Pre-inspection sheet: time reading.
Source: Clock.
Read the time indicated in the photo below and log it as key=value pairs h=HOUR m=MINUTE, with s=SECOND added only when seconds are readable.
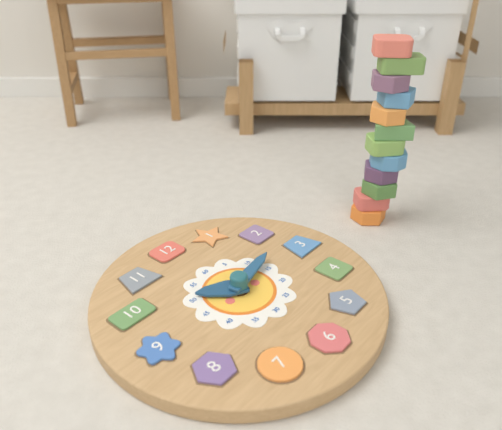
h=10 m=13
